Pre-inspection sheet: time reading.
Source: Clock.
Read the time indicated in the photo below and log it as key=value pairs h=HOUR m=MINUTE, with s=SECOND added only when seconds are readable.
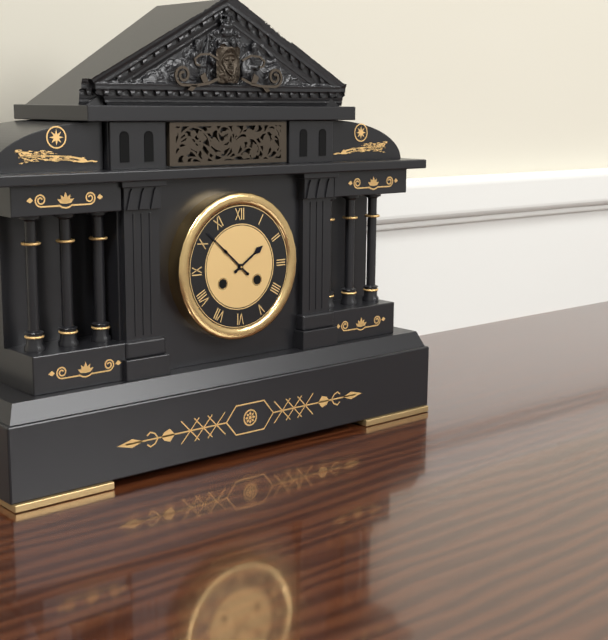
h=1 m=52
